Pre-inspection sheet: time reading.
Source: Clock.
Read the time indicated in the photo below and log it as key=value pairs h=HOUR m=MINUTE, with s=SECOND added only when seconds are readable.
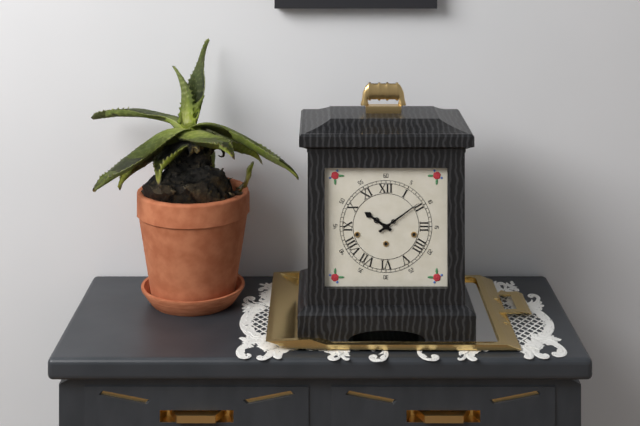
h=10 m=9
